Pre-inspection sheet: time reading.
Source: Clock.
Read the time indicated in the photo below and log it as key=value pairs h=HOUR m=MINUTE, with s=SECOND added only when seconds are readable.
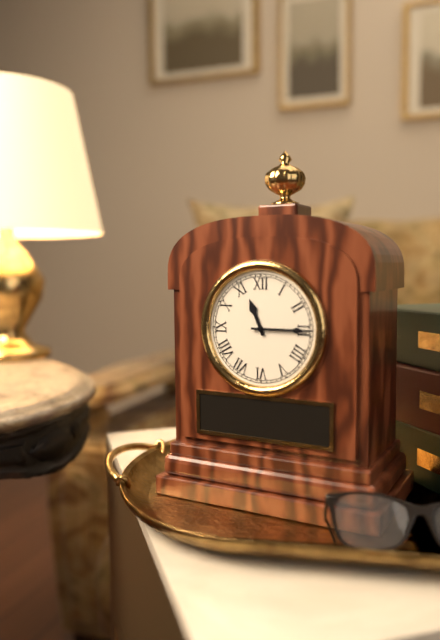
h=11 m=15
